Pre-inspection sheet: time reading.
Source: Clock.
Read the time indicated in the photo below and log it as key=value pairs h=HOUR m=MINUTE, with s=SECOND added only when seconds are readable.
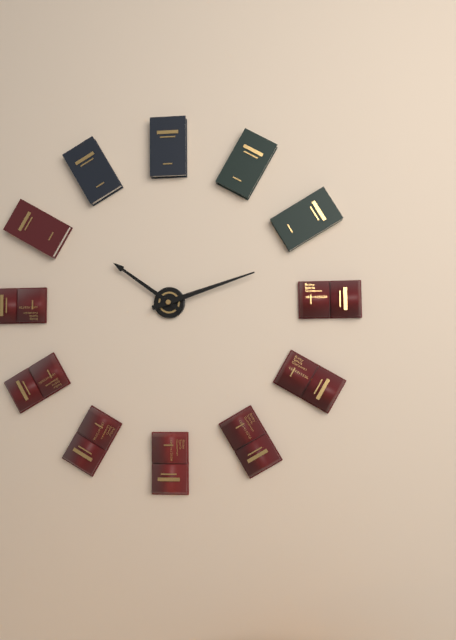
h=10 m=12
